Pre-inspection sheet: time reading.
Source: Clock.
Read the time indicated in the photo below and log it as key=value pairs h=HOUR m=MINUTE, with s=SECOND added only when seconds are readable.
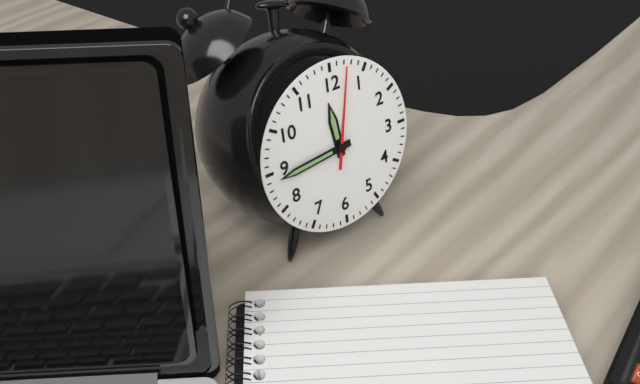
h=11 m=44 s=2
